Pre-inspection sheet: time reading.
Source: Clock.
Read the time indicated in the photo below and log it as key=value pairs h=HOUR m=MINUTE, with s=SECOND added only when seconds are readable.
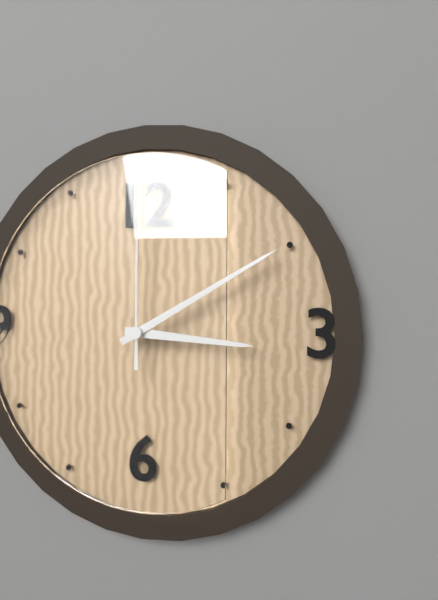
h=3 m=10 s=0
